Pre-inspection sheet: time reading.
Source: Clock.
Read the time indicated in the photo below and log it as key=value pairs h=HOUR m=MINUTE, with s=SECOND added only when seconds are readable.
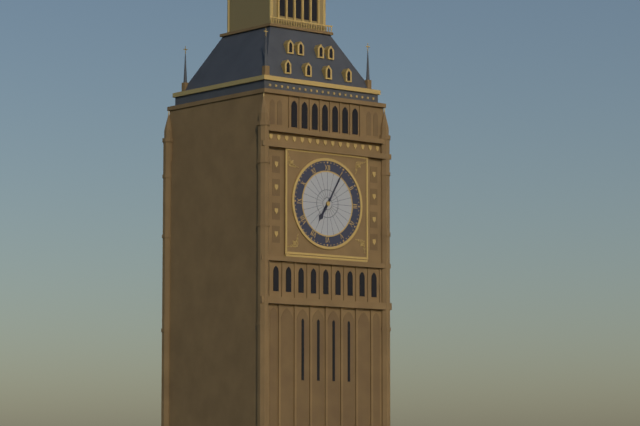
h=7 m=5
